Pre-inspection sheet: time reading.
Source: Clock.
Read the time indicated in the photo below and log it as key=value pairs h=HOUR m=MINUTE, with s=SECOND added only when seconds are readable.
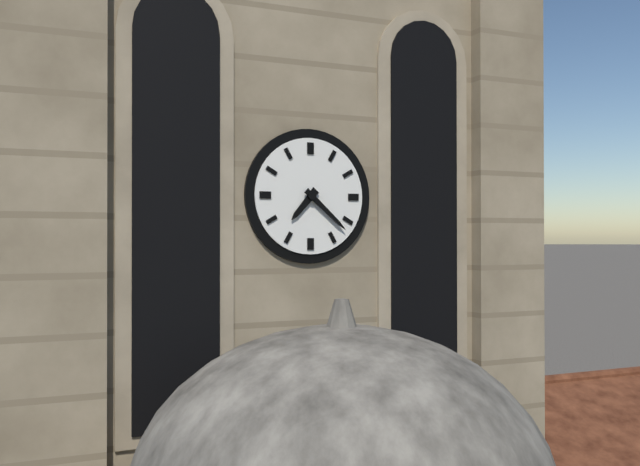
h=7 m=22
